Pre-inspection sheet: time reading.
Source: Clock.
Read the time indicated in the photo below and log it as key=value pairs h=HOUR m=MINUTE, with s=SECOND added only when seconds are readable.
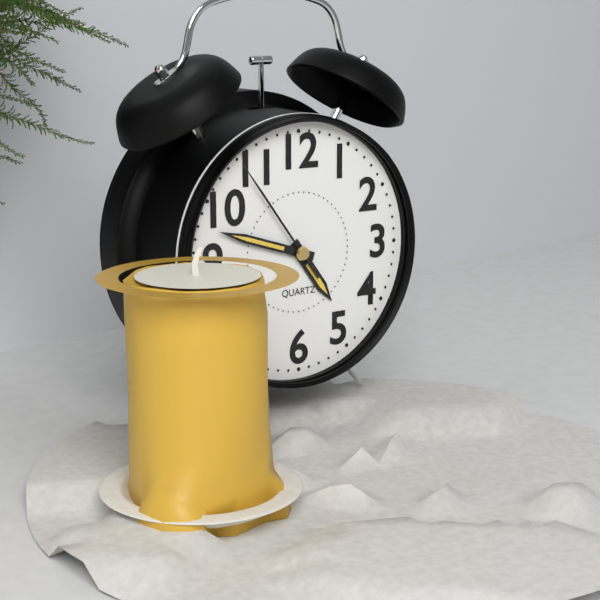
h=4 m=48 s=54
